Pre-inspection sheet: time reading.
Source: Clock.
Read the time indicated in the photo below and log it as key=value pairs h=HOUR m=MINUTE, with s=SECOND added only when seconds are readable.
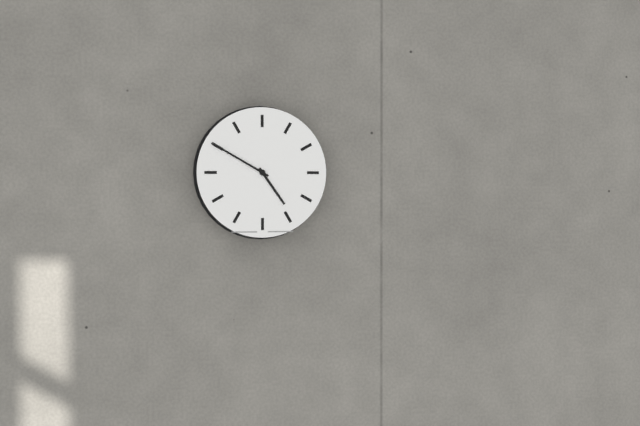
h=4 m=50
